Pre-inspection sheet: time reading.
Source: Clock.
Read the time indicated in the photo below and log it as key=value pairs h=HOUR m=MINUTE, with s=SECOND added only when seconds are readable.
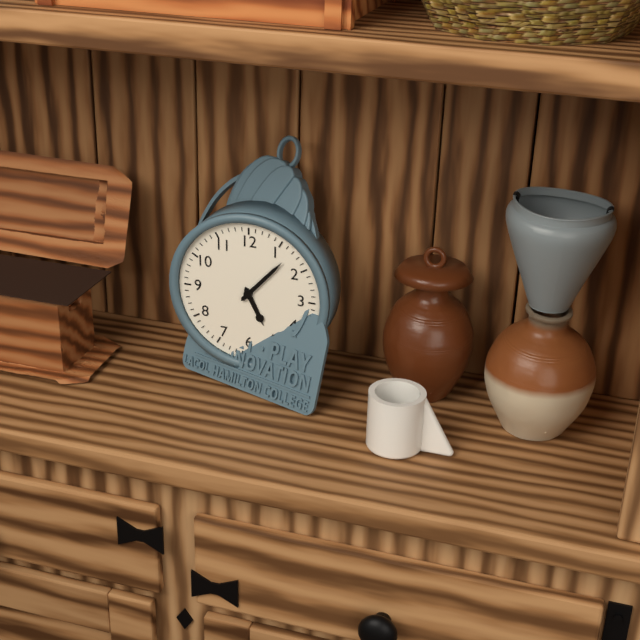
h=5 m=7
